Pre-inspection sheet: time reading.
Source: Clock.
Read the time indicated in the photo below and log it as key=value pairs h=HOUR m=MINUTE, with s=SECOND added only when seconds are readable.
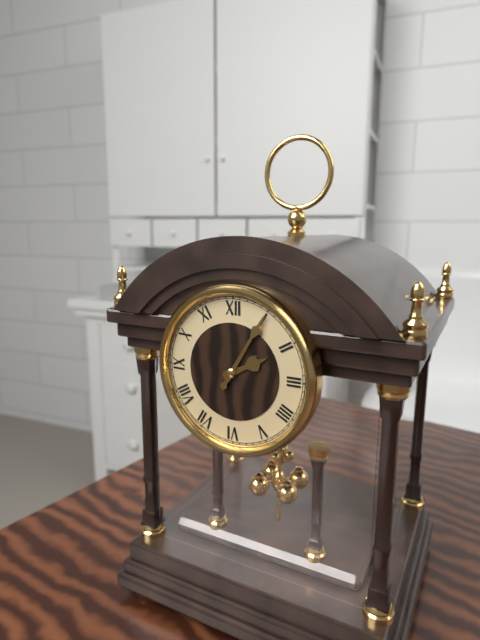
h=2 m=5
